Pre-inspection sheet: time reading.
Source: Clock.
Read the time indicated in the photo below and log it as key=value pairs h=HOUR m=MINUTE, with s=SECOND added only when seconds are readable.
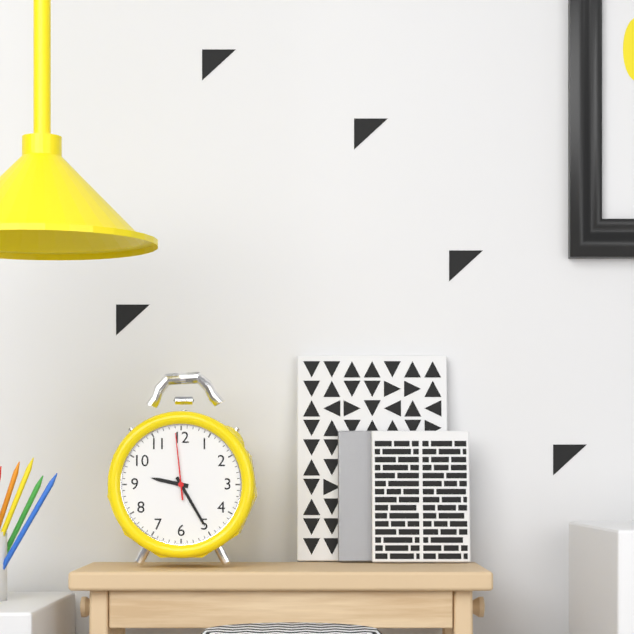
h=9 m=25 s=59
